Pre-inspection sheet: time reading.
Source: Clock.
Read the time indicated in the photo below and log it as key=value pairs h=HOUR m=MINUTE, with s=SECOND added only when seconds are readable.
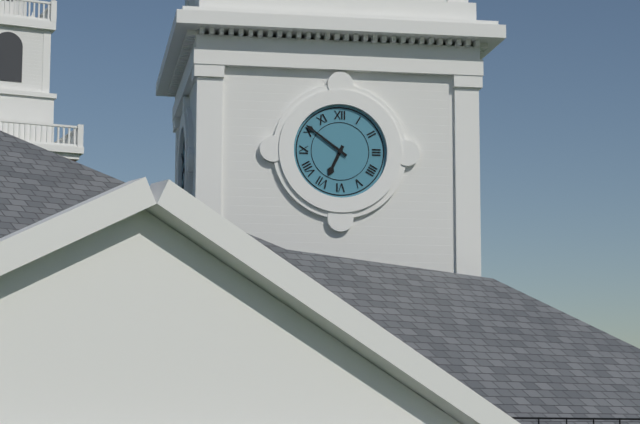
h=6 m=51
